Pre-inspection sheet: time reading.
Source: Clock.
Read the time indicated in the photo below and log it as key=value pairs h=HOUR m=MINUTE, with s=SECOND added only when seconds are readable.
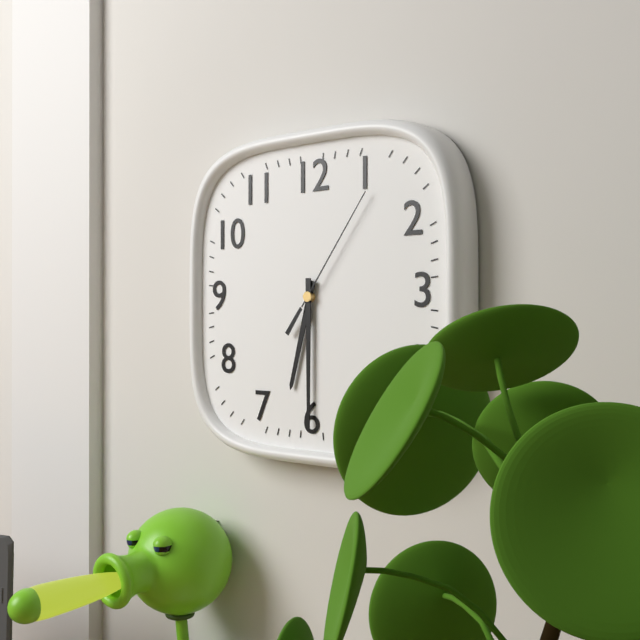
h=6 m=30 s=6
